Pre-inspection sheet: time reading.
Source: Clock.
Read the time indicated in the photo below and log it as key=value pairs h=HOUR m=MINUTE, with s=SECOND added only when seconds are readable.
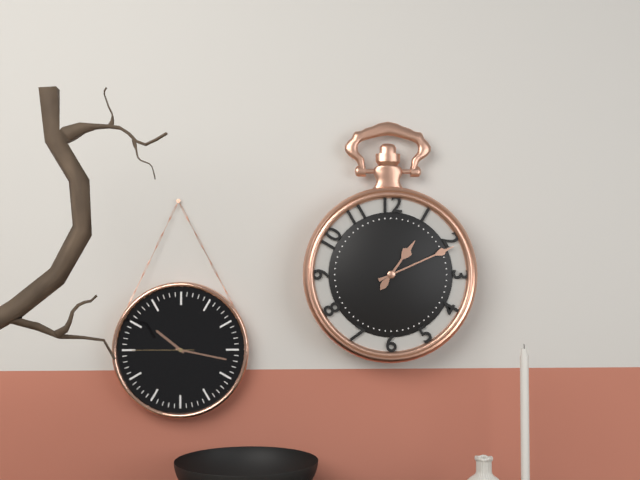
h=1 m=11
